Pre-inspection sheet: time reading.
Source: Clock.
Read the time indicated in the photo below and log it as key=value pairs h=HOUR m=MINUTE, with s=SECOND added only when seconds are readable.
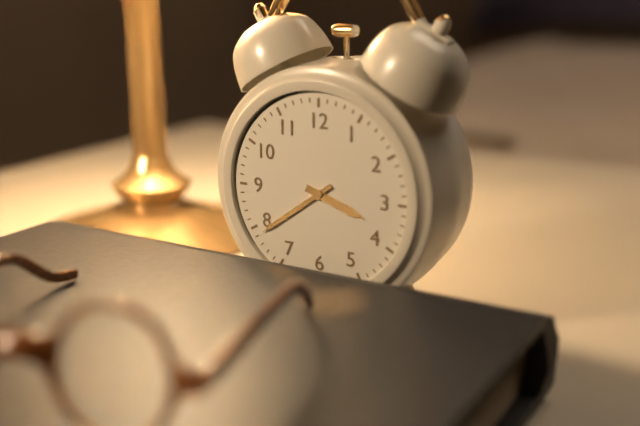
h=3 m=39
